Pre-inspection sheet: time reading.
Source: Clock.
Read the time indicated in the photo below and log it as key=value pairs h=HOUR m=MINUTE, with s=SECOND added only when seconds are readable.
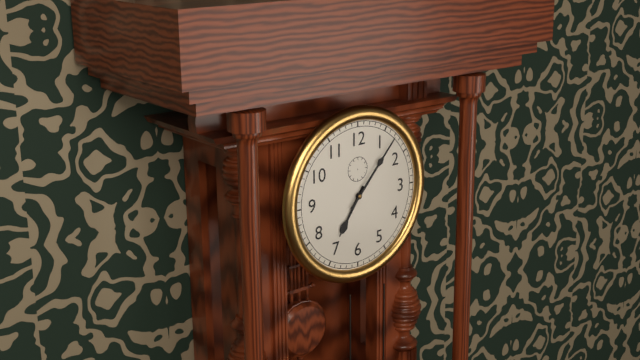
h=7 m=7
